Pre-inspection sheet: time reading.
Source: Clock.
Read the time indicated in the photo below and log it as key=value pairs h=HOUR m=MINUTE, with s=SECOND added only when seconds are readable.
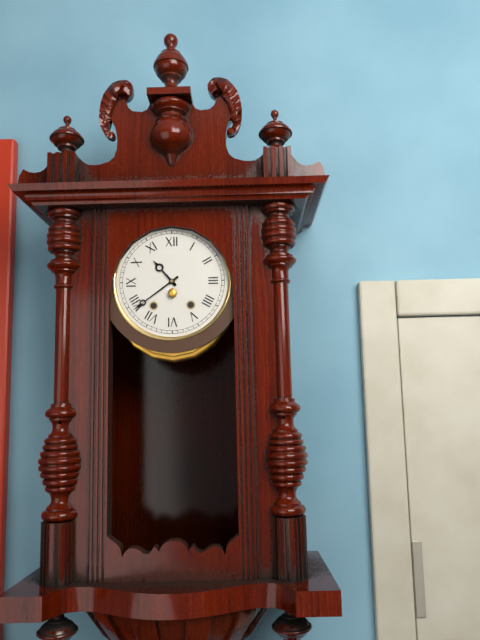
h=10 m=39
